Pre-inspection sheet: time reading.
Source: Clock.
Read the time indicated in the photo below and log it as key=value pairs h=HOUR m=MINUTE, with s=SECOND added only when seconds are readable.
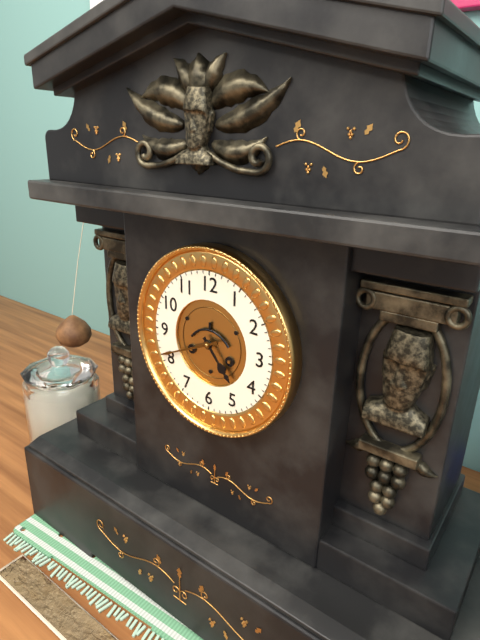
h=4 m=41
